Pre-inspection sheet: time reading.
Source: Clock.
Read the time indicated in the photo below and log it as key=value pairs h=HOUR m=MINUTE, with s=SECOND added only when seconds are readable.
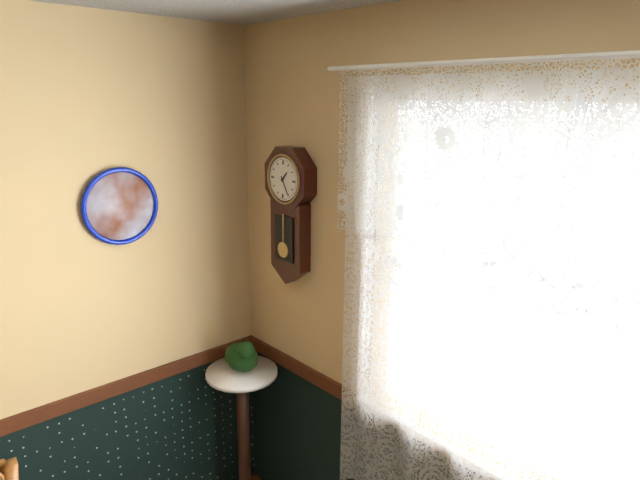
h=1 m=25
